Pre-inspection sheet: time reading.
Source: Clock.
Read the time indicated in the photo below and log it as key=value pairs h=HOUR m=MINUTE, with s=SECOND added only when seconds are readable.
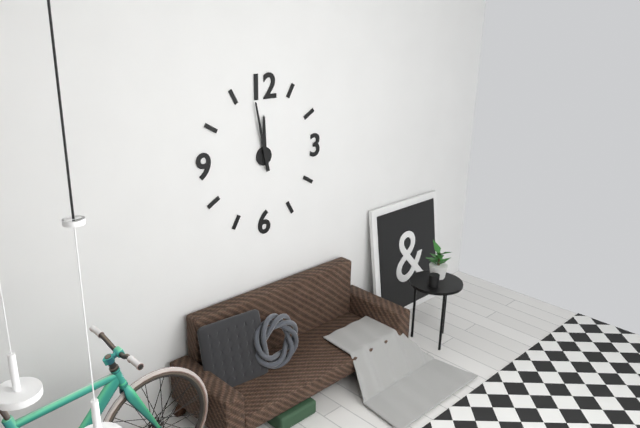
h=11 m=58
